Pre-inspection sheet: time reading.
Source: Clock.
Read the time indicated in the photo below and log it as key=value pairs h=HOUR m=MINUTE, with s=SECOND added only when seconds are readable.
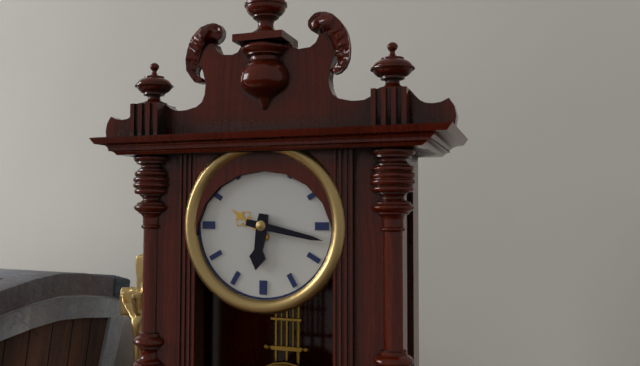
h=6 m=17
